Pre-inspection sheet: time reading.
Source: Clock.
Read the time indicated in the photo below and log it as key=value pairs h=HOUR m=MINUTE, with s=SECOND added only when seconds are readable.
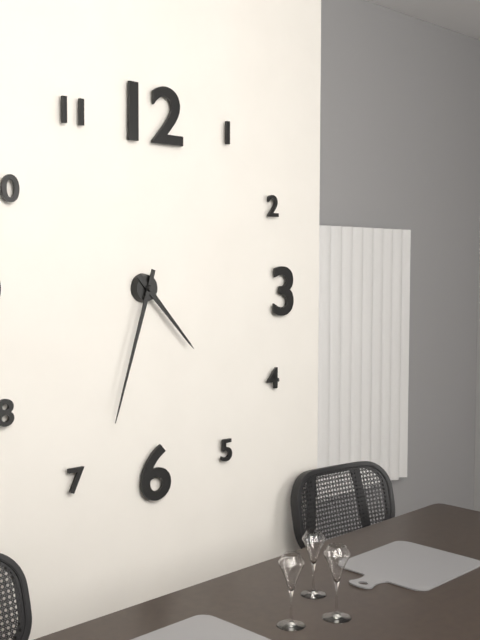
h=4 m=33
